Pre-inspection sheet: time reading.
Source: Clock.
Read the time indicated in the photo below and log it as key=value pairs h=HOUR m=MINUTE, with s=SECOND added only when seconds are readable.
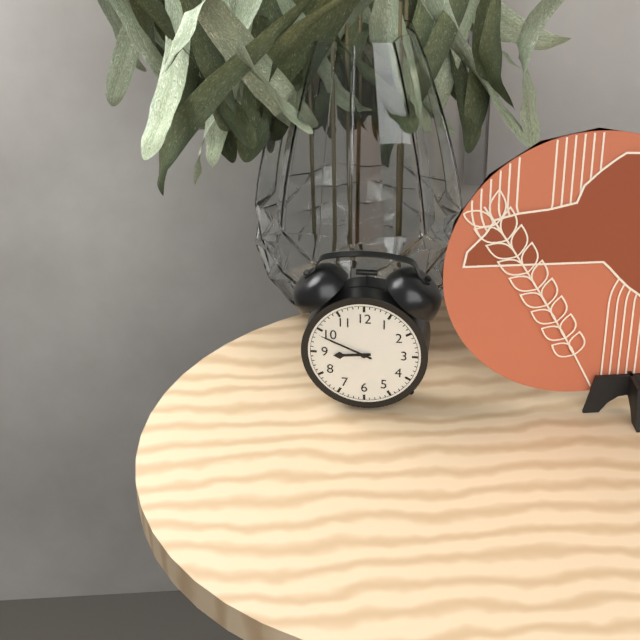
h=8 m=49
